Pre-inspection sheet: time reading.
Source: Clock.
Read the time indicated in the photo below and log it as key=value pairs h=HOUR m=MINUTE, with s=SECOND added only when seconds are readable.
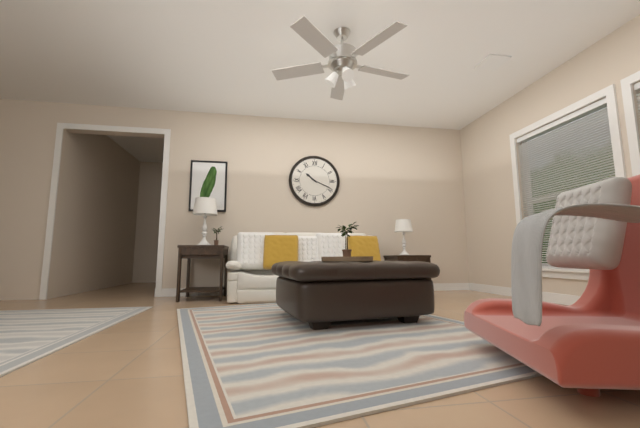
h=10 m=19
